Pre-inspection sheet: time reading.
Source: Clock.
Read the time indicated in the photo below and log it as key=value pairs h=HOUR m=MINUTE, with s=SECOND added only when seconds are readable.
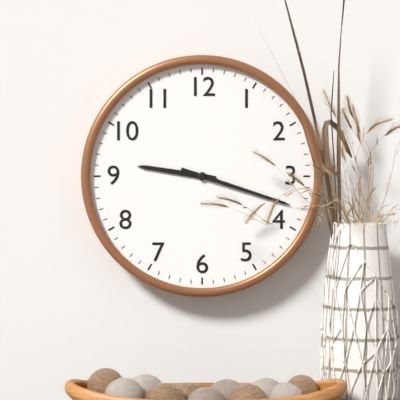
h=9 m=18
